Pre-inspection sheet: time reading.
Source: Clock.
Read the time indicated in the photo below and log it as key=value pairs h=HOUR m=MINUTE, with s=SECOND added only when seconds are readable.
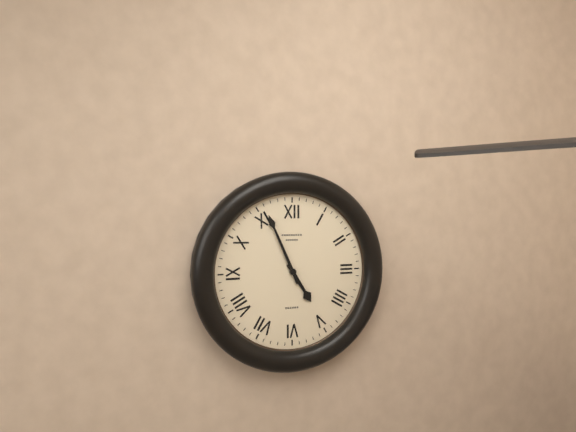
h=4 m=56
